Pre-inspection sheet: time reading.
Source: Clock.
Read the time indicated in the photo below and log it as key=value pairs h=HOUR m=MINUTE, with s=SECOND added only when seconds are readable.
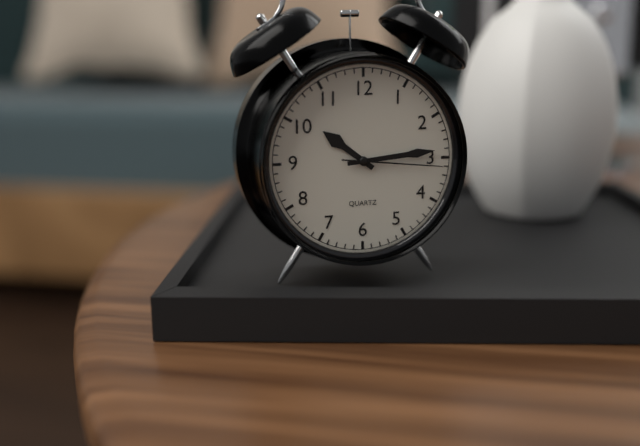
h=10 m=14 s=16
